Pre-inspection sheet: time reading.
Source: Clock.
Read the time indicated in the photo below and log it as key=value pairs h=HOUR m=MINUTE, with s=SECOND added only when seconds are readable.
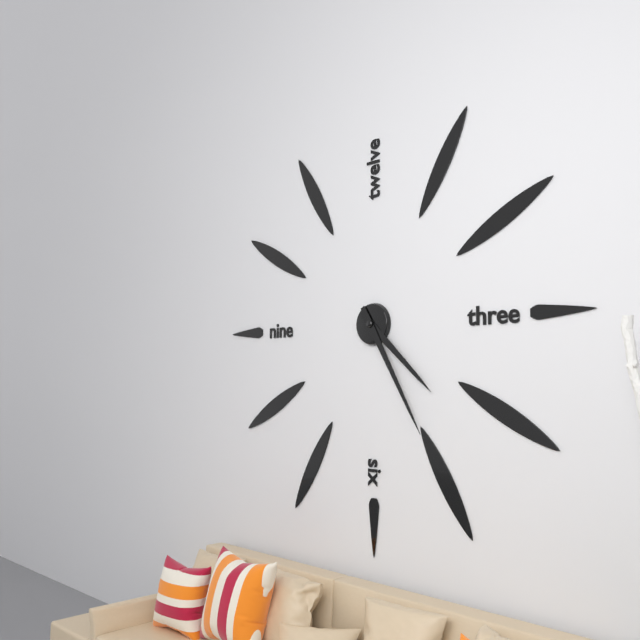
h=4 m=25
